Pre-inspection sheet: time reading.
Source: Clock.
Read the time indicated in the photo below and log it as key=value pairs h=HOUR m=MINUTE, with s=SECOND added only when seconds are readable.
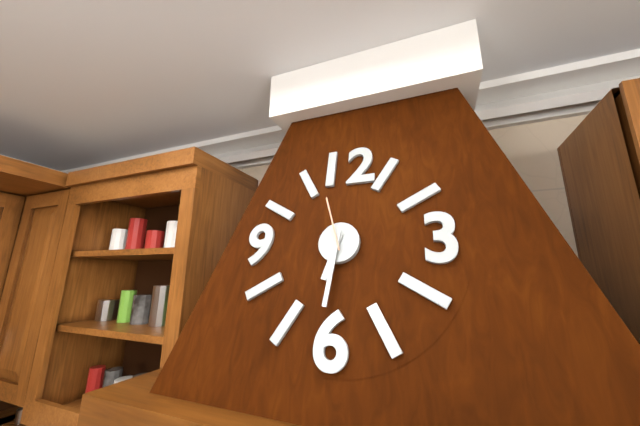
h=6 m=31 s=57
